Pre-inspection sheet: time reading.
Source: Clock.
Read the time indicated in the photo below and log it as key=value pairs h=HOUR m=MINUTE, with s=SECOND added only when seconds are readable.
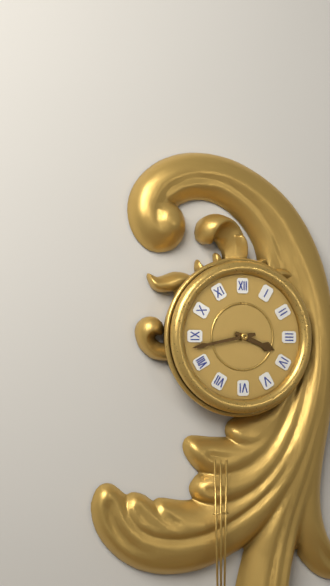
h=3 m=43
